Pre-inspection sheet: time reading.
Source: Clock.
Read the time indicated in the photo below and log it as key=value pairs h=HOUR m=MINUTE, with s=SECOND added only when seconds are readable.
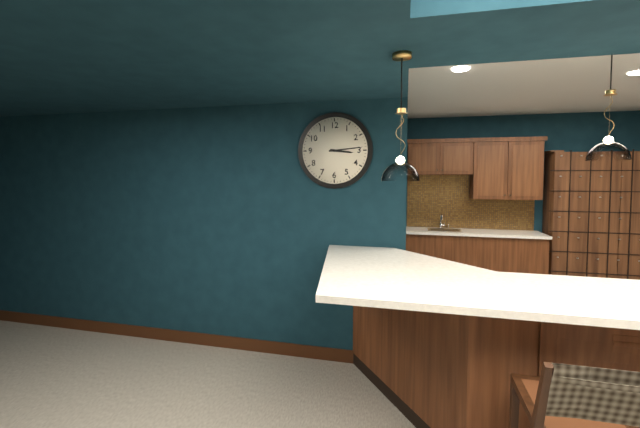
h=3 m=14
